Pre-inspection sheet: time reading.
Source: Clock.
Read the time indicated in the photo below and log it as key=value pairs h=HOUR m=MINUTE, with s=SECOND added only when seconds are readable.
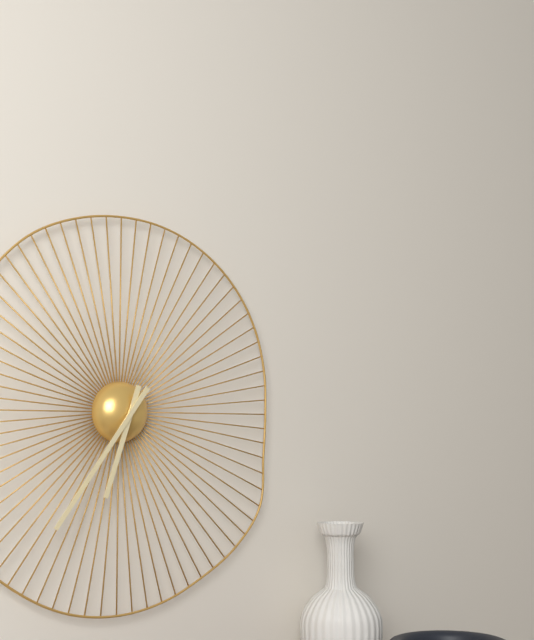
h=6 m=36
